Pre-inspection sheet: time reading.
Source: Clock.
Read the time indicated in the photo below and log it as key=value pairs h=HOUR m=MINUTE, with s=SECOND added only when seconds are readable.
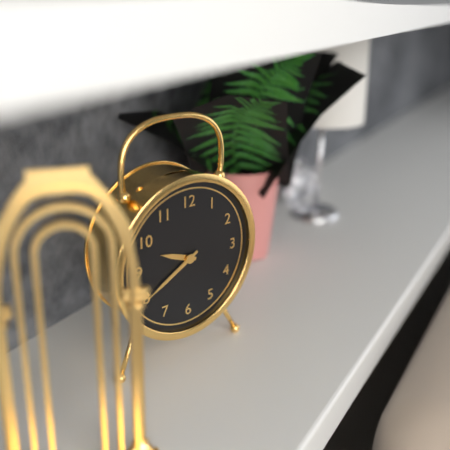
h=9 m=40
